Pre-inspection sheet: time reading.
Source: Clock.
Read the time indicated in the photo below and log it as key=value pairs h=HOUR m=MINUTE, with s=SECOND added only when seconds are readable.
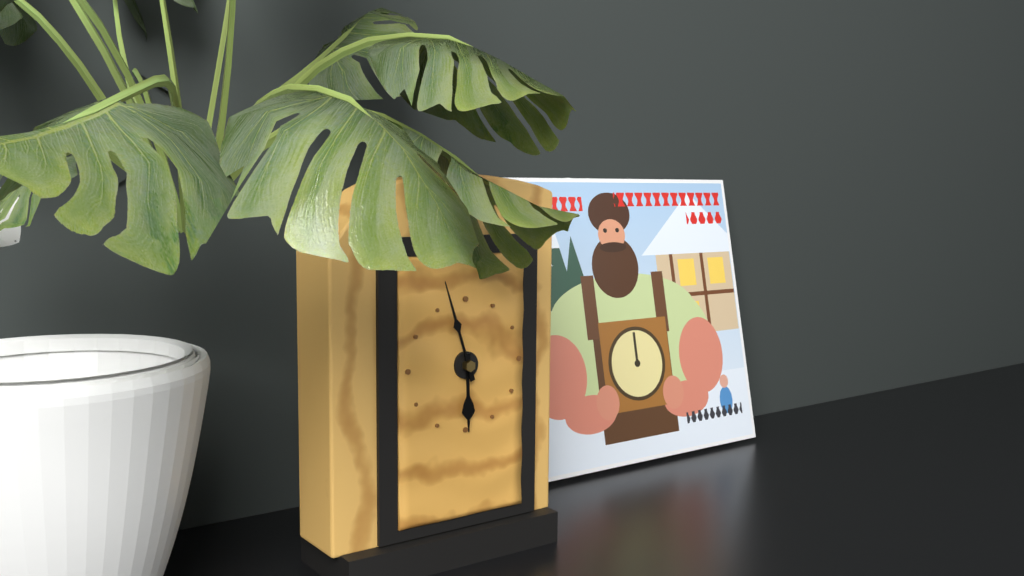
h=5 m=57
